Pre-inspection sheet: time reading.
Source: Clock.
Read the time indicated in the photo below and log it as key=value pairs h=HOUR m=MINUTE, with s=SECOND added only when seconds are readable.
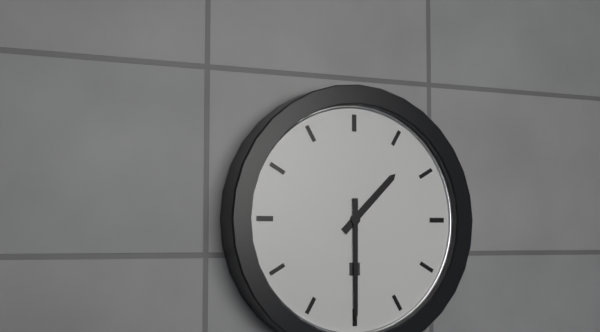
h=1 m=30
